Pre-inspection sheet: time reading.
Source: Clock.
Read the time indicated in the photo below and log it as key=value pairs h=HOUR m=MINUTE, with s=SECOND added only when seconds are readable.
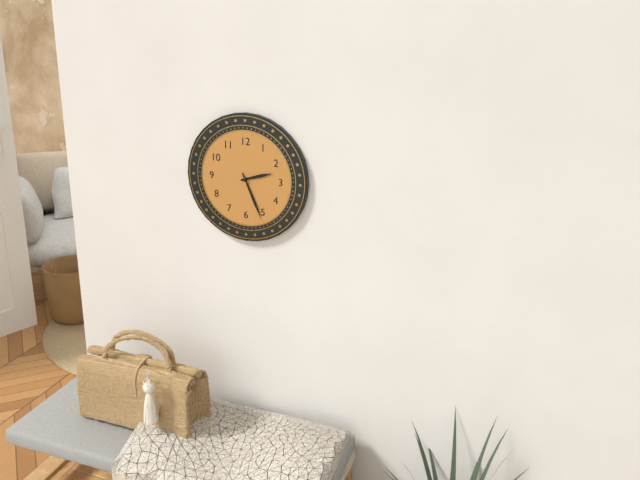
h=2 m=26
